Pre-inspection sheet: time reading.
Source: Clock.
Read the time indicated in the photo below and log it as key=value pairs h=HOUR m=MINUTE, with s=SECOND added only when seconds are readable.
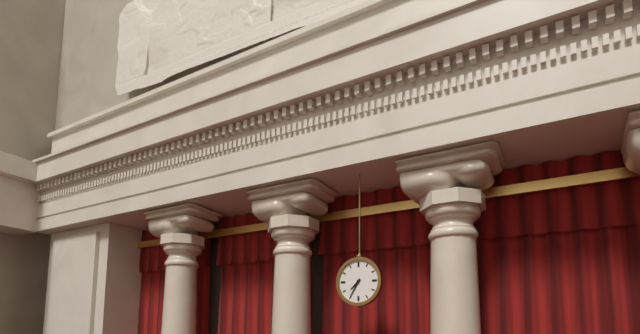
h=7 m=35
